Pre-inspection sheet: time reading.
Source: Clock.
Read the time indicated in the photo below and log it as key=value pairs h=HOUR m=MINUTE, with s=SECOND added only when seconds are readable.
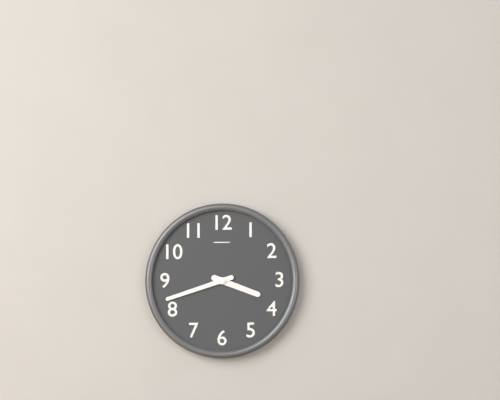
h=3 m=42
